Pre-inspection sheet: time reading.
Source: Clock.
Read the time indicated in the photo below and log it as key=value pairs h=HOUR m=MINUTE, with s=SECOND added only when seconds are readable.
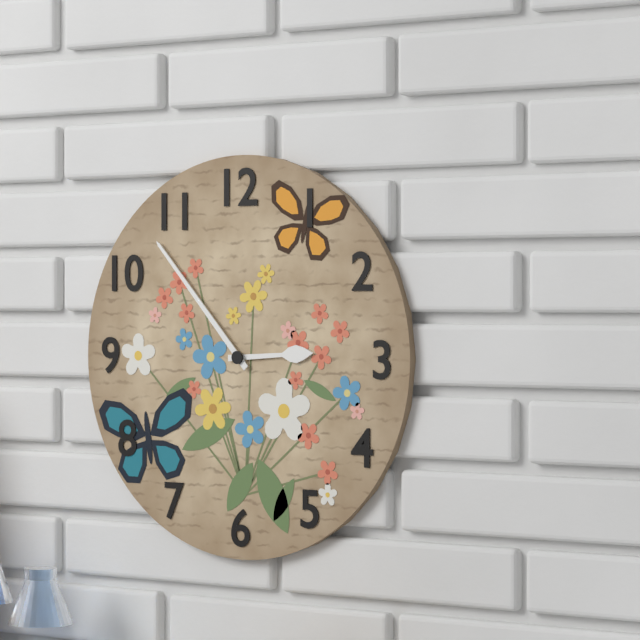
h=2 m=53
